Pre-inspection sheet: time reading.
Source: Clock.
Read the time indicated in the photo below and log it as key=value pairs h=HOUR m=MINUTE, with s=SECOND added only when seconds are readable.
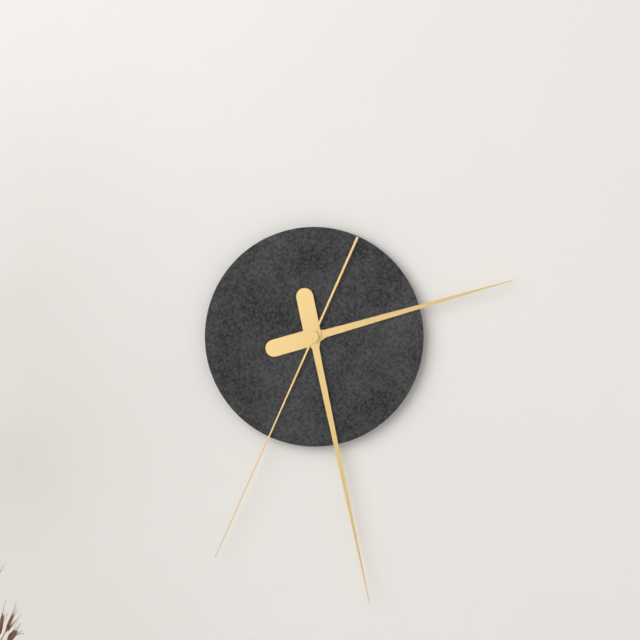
h=2 m=28 s=34
